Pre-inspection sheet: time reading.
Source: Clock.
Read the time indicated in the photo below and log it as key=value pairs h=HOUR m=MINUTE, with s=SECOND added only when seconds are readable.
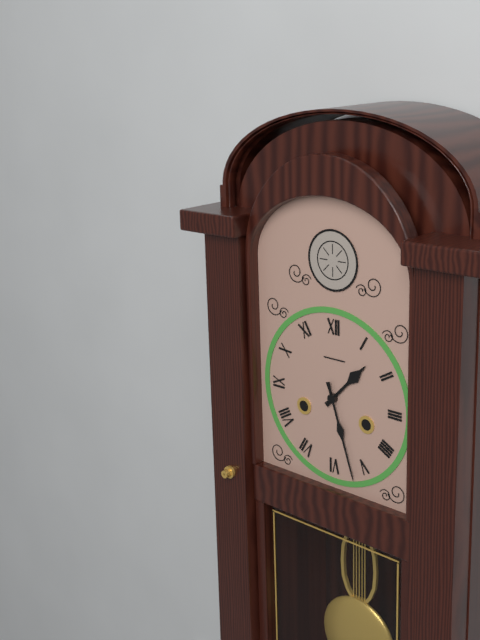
h=1 m=27
